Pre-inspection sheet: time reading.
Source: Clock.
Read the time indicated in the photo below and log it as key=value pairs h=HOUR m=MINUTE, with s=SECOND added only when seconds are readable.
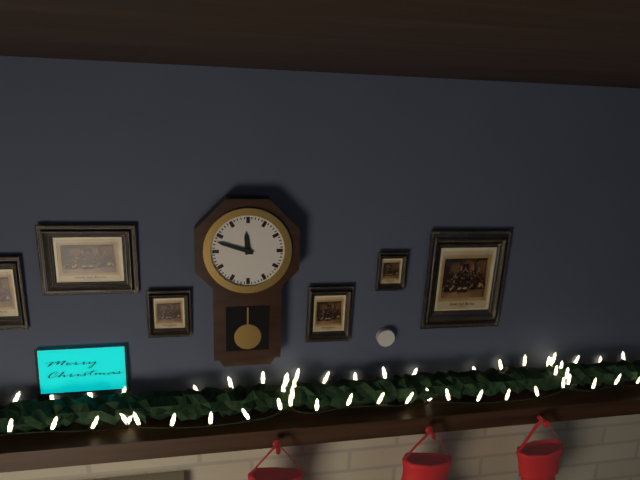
h=11 m=48
